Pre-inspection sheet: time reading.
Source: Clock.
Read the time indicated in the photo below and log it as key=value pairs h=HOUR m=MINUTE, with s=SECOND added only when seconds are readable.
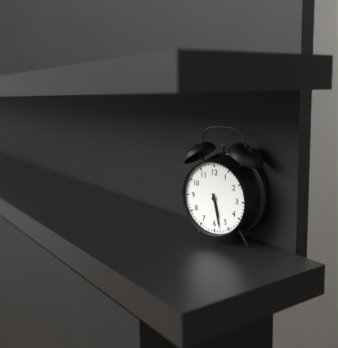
h=5 m=28
